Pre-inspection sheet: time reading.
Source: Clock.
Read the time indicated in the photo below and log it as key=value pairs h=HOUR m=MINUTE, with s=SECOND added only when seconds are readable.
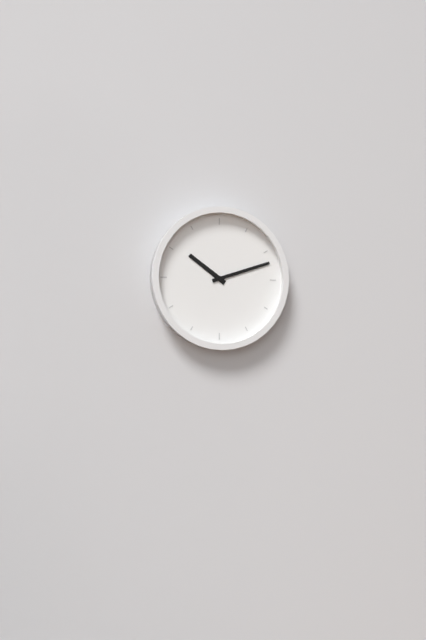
h=10 m=12
